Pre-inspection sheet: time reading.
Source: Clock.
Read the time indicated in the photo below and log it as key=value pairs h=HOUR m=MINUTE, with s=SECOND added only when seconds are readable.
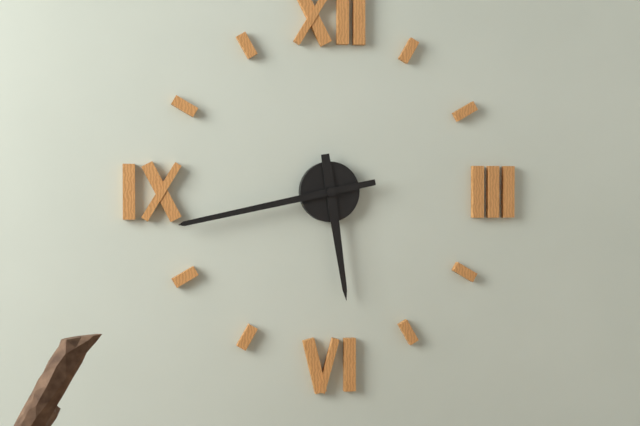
h=5 m=43
